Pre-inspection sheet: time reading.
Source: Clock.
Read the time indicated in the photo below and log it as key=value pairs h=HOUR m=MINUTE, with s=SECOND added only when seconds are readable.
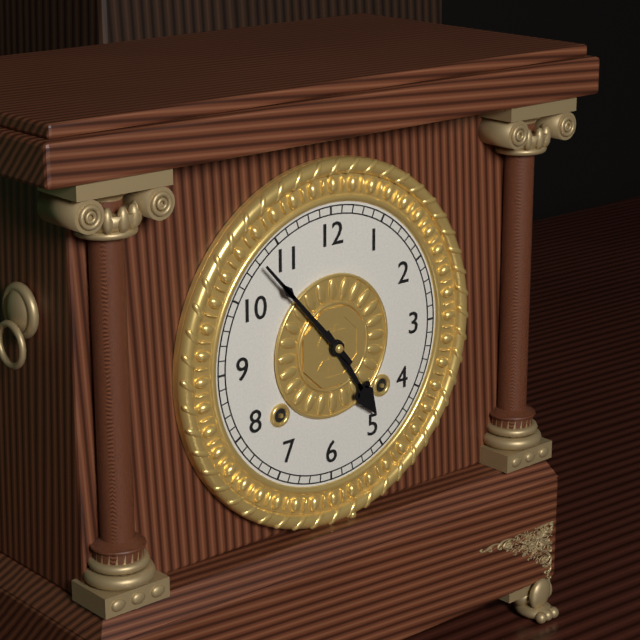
h=4 m=53
